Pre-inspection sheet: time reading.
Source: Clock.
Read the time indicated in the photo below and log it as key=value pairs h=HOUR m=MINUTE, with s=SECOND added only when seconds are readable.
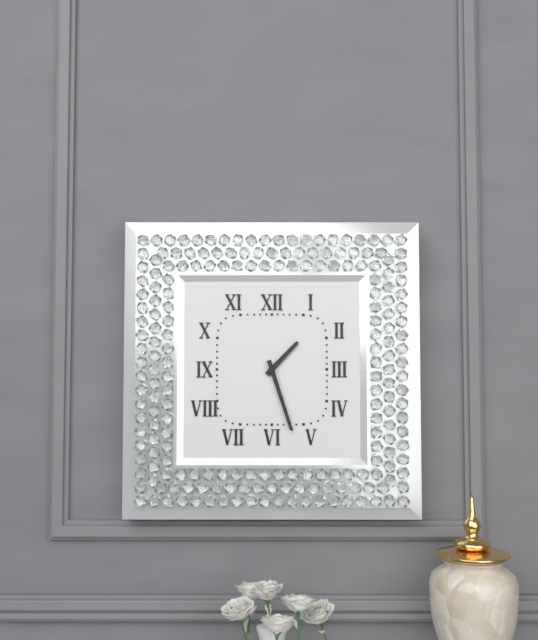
h=1 m=27
